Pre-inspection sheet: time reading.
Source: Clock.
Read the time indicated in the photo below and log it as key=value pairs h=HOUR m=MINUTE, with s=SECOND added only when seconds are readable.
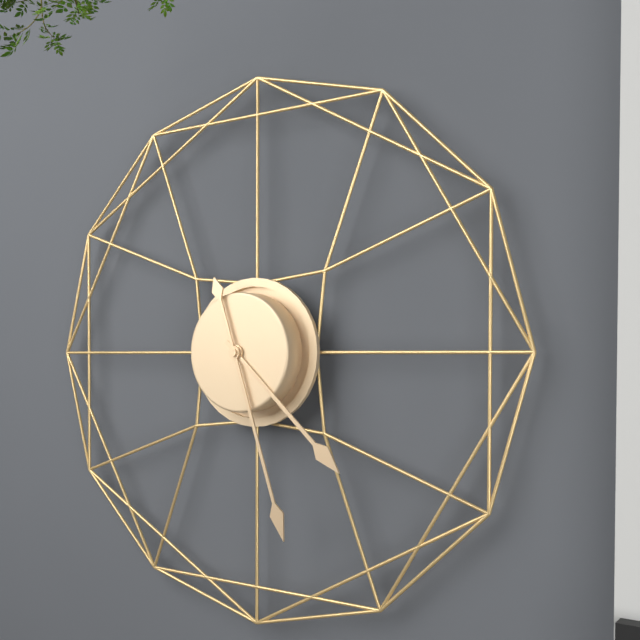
h=4 m=27
